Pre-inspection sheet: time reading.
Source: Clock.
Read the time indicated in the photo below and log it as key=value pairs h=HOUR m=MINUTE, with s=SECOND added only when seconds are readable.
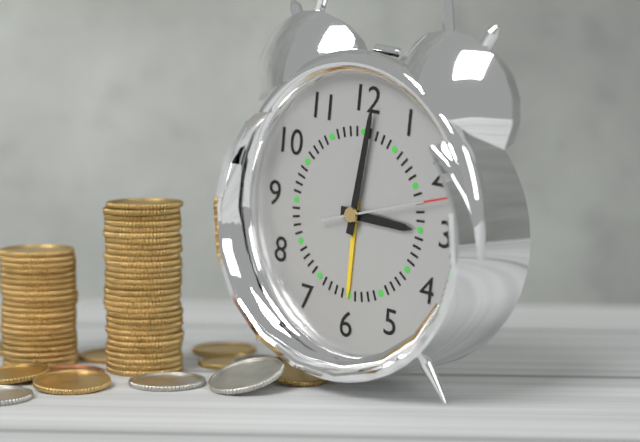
h=3 m=1 s=12
